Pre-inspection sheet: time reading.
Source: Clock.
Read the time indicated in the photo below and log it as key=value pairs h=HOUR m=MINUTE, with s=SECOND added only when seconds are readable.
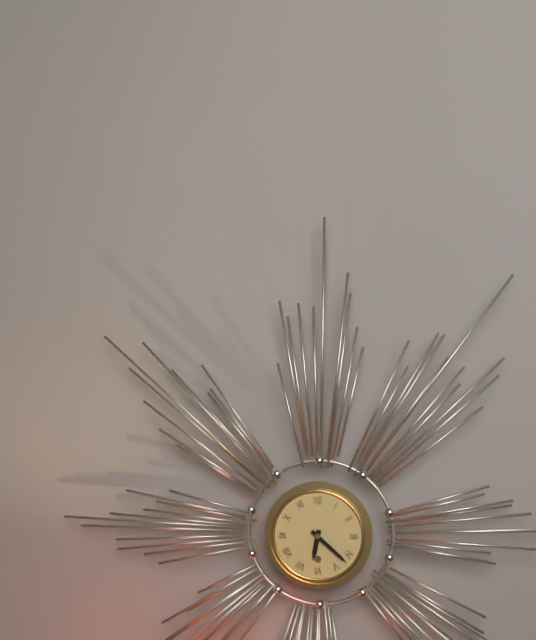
h=6 m=22
